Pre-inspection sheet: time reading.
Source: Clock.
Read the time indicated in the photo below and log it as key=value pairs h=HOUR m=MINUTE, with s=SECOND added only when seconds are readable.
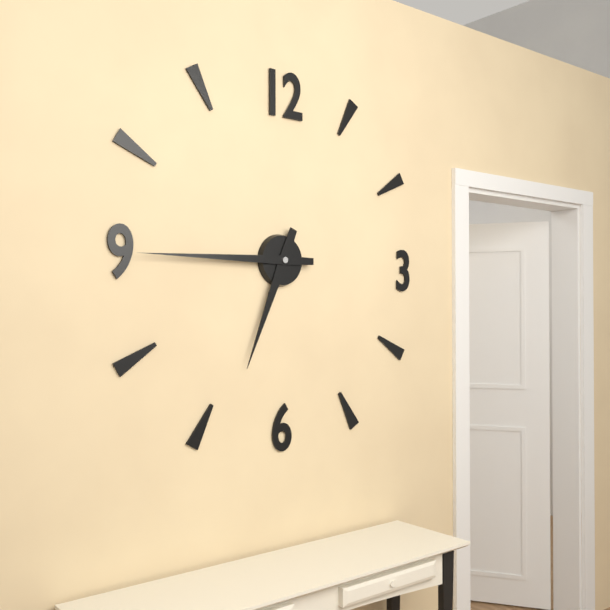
h=6 m=45
